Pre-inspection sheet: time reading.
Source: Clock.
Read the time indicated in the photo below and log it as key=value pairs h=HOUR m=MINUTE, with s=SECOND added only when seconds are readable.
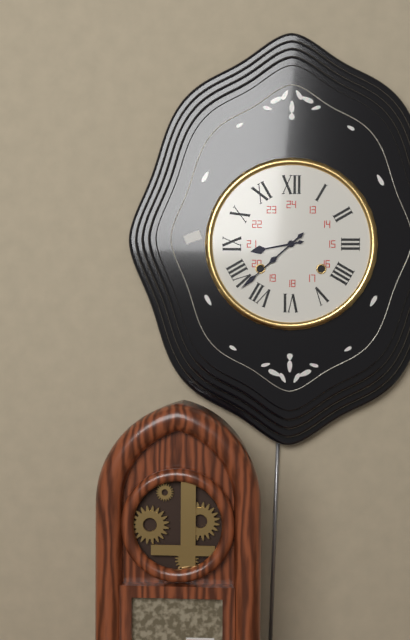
h=8 m=38
